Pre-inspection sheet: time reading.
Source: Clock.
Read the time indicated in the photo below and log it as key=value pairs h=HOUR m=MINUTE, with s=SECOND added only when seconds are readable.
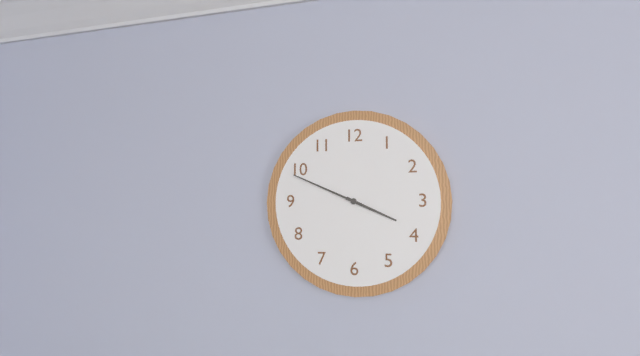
h=3 m=49
